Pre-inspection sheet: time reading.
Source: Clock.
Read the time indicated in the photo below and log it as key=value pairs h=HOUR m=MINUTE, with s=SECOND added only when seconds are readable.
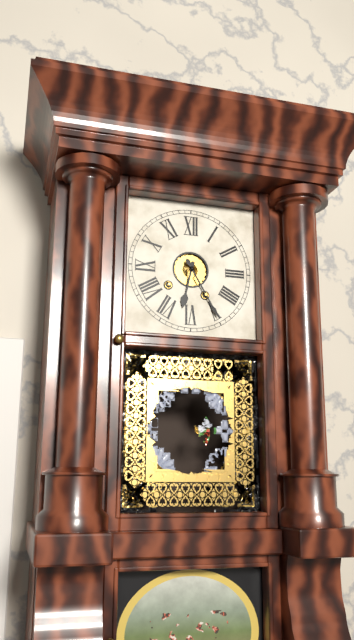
h=6 m=25
